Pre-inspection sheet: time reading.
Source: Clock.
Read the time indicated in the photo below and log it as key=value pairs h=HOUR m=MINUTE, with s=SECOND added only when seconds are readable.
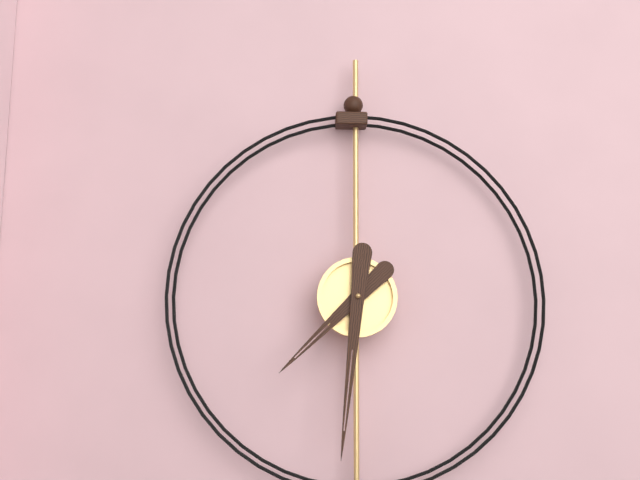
h=7 m=31
